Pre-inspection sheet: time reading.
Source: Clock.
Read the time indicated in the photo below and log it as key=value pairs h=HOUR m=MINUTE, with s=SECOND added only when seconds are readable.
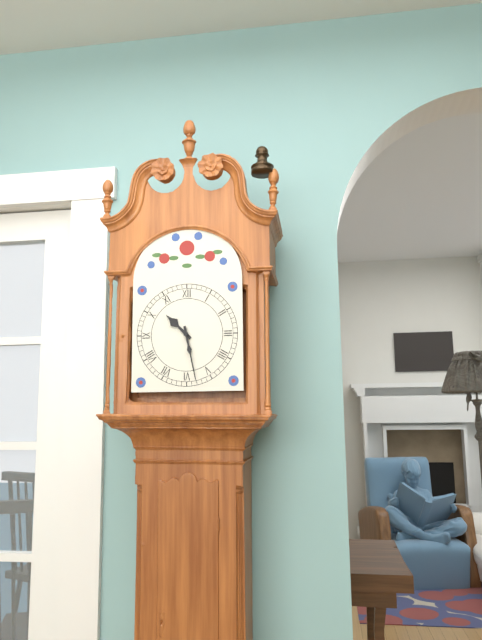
h=10 m=28
